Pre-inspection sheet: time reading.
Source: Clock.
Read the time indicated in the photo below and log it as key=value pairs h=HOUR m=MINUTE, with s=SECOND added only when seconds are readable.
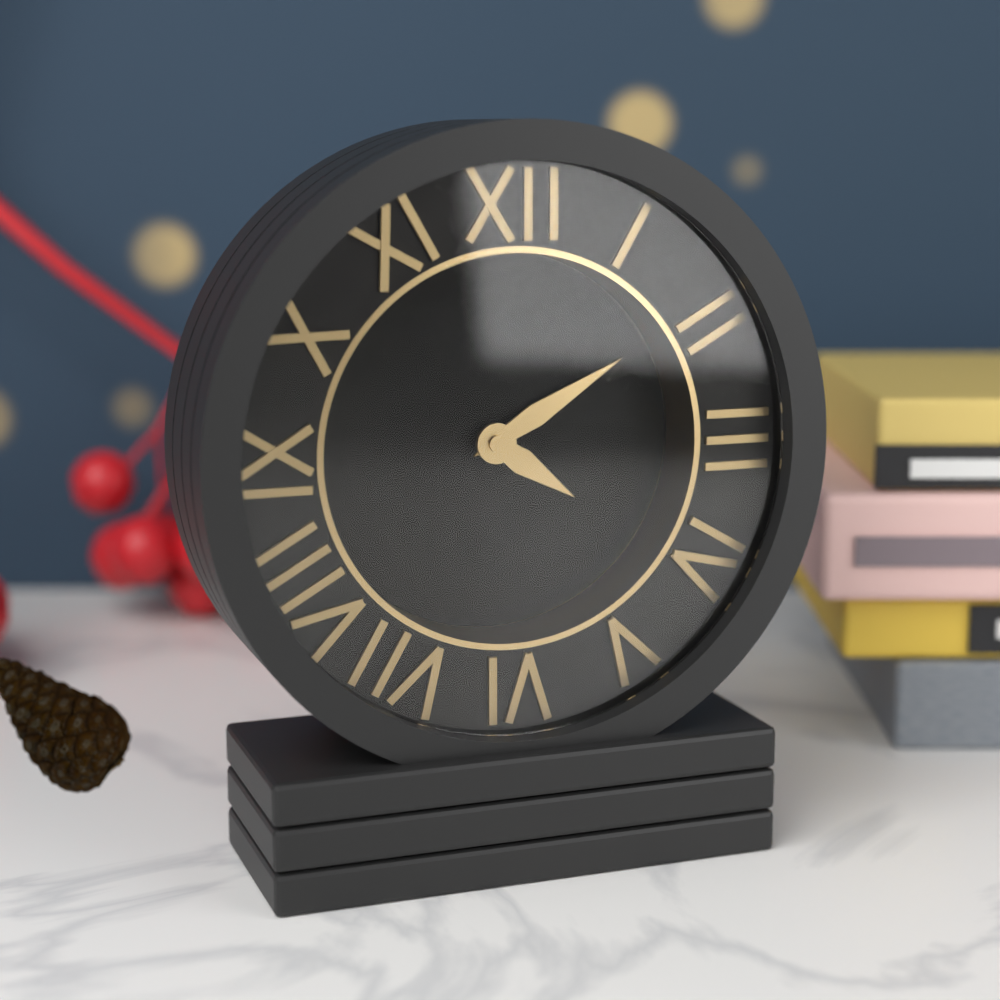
h=4 m=10
